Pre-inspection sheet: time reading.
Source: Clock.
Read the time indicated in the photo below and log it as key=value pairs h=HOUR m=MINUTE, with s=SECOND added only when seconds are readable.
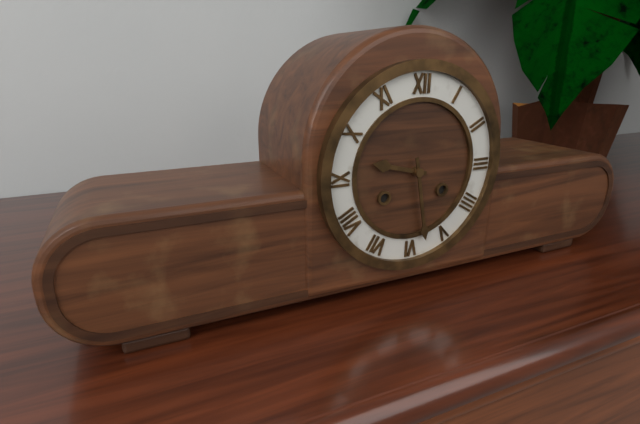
h=9 m=28
